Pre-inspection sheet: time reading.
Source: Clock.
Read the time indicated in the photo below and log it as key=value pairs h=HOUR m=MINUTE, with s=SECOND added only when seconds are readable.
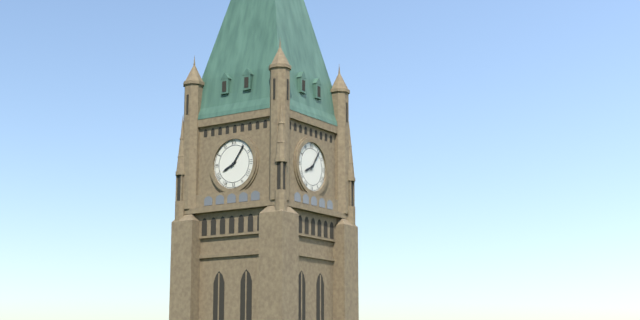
h=8 m=6
